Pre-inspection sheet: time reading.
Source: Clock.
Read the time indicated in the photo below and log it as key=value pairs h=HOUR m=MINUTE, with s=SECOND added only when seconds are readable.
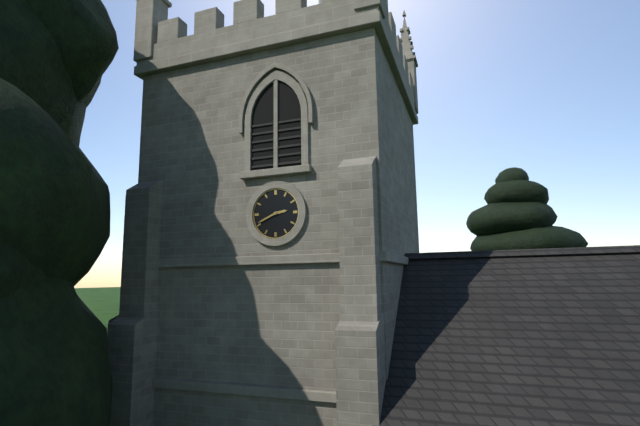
h=2 m=41
